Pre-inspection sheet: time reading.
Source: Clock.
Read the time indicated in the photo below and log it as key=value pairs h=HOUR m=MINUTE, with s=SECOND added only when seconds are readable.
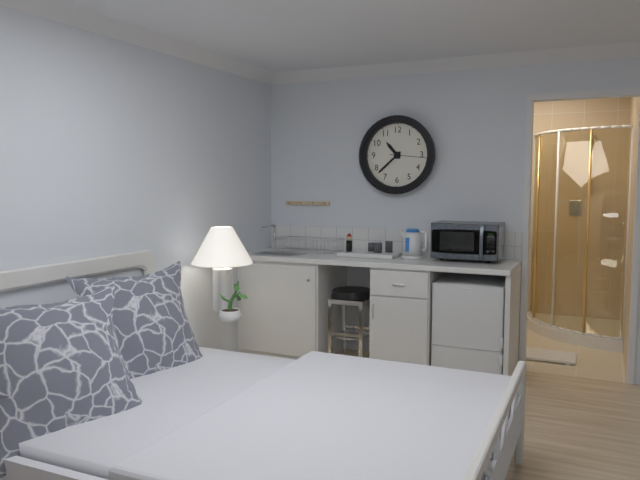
h=10 m=38
